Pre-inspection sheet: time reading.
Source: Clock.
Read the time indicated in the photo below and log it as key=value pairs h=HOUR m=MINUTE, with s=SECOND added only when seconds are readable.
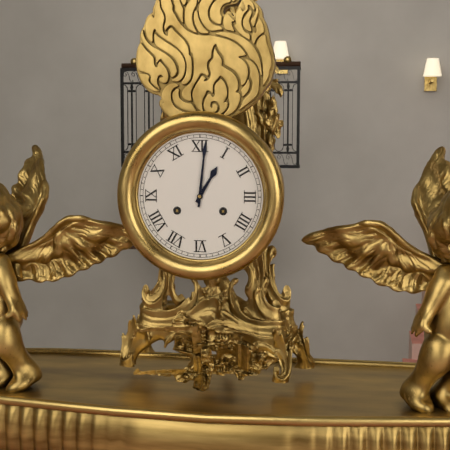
h=1 m=1
